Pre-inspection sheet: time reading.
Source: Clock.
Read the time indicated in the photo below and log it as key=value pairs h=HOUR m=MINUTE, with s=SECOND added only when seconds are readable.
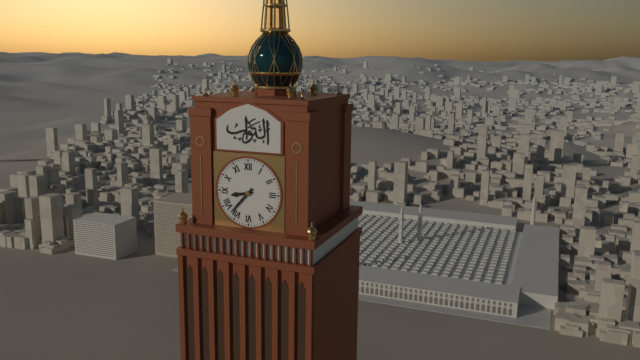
h=8 m=37
